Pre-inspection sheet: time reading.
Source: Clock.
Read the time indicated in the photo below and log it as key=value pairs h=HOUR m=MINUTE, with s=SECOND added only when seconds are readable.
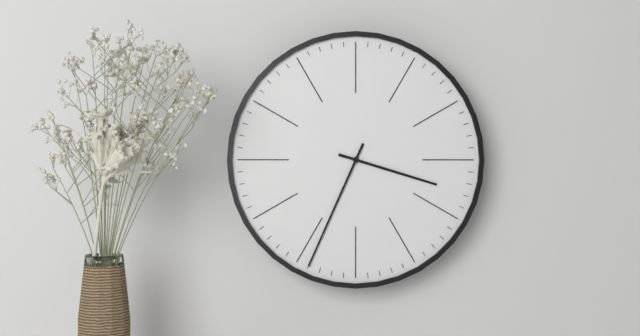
h=3 m=34
